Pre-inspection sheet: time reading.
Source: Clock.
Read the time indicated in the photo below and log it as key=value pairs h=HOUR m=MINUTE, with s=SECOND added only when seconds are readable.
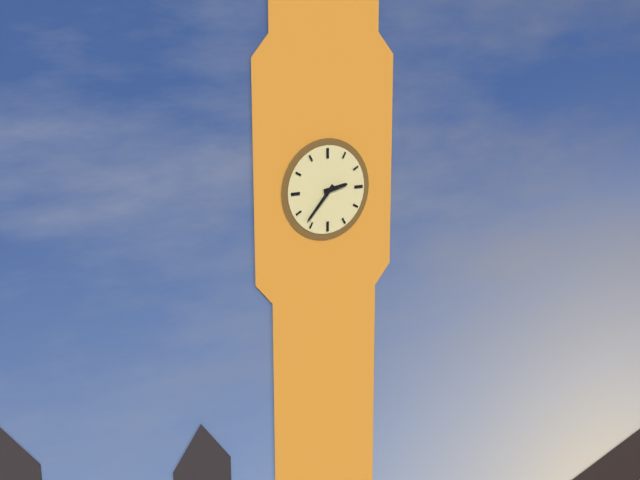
h=2 m=37
